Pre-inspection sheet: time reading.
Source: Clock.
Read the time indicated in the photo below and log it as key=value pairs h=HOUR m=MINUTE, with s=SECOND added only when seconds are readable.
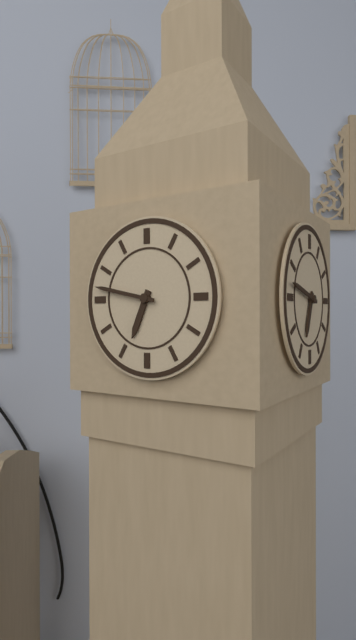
h=6 m=47
